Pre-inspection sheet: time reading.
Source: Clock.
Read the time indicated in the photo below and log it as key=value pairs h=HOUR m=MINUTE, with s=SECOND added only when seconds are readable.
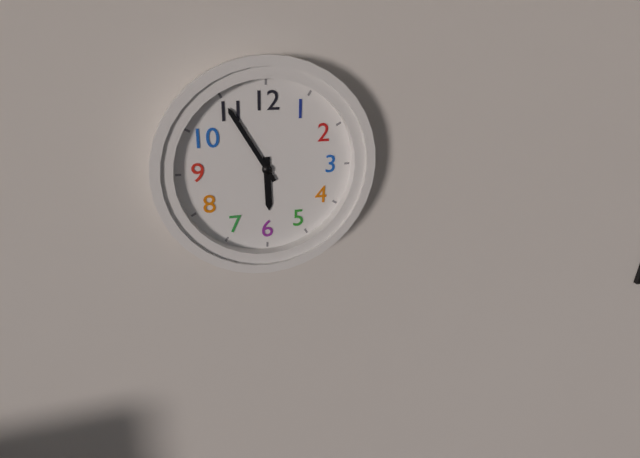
h=5 m=55
